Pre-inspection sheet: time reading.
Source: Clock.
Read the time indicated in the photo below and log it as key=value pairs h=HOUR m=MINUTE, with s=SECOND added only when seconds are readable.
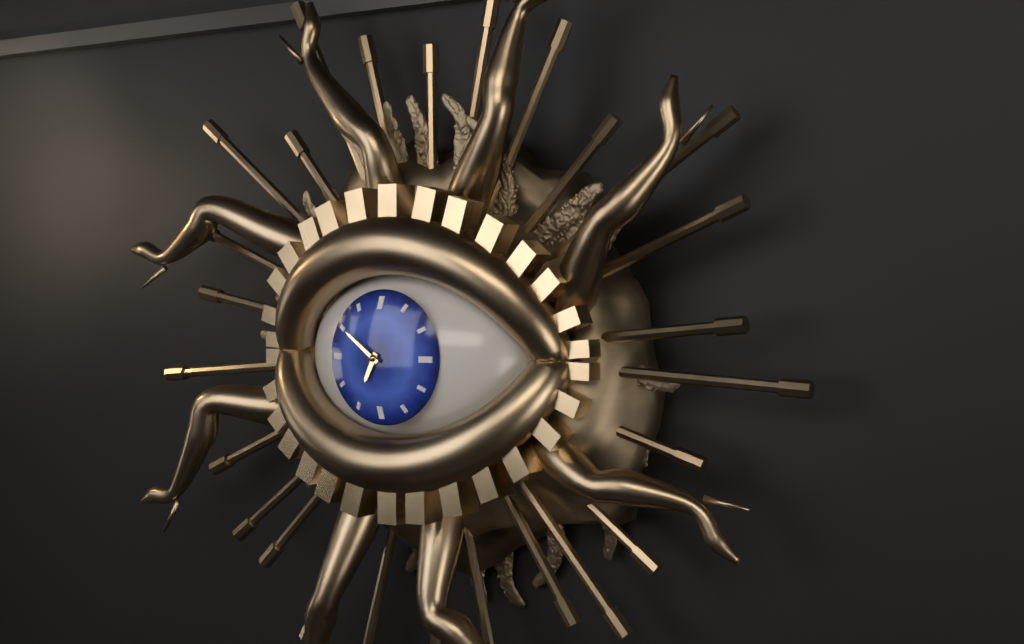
h=6 m=51
